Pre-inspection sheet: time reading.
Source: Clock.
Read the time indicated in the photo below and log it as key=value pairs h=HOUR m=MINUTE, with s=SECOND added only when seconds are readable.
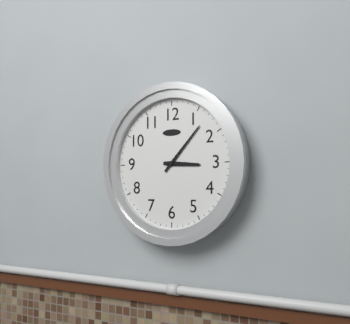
h=3 m=7
